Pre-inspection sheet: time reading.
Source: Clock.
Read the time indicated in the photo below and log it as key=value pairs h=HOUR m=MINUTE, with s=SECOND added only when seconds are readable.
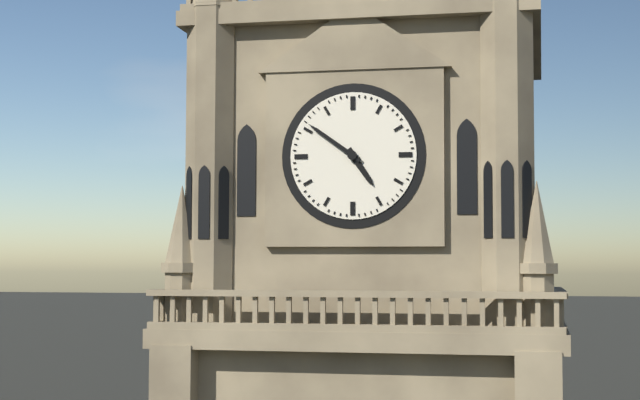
h=4 m=51
